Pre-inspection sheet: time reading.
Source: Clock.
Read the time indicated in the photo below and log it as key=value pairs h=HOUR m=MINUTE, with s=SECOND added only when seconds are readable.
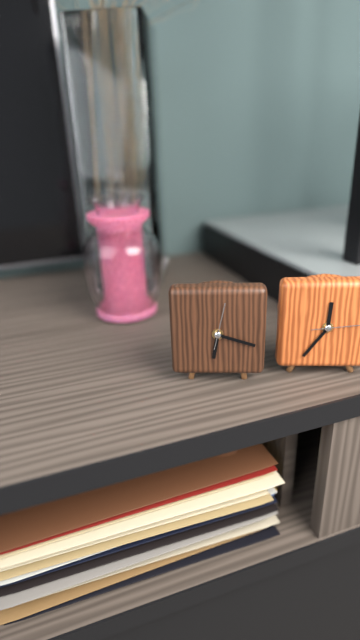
h=6 m=18
